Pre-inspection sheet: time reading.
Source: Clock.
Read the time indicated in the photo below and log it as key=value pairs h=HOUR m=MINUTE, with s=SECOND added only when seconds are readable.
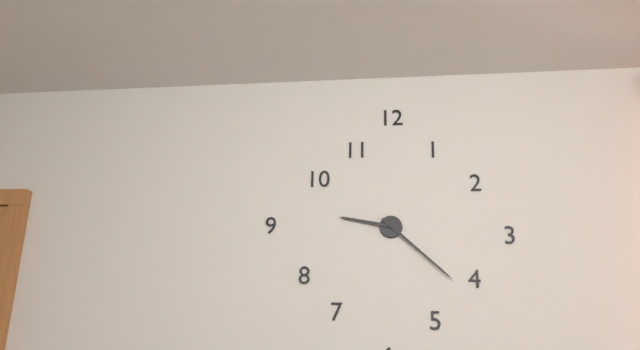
h=9 m=22
